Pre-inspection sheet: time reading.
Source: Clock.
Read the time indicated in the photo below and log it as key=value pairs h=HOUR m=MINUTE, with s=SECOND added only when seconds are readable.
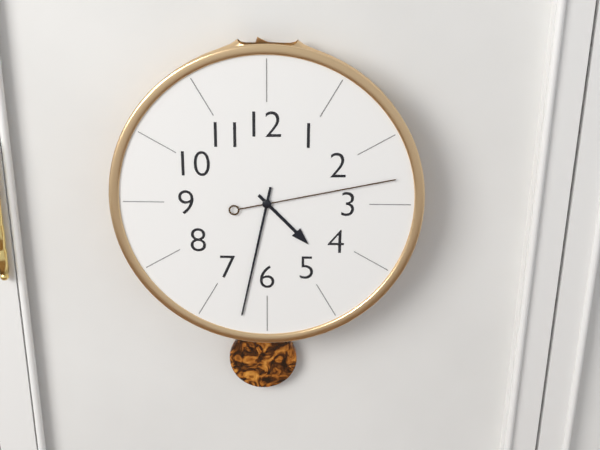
h=4 m=32 s=13
